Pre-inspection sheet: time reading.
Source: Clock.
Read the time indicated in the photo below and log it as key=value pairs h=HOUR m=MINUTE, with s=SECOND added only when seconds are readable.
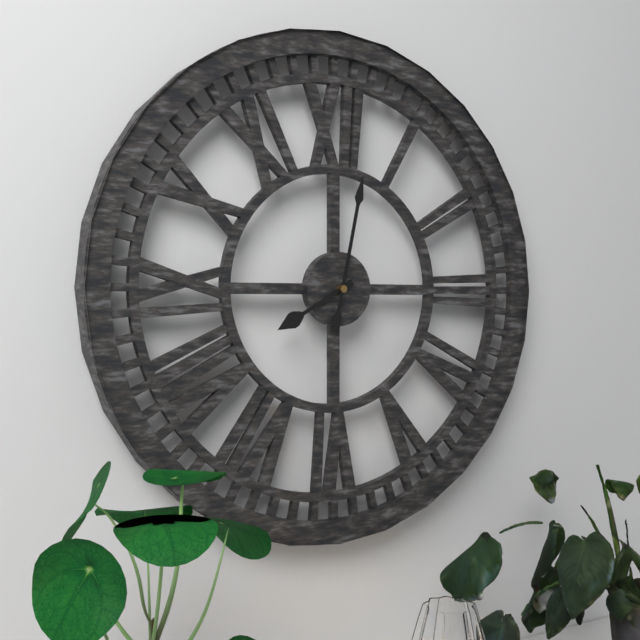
h=8 m=2
